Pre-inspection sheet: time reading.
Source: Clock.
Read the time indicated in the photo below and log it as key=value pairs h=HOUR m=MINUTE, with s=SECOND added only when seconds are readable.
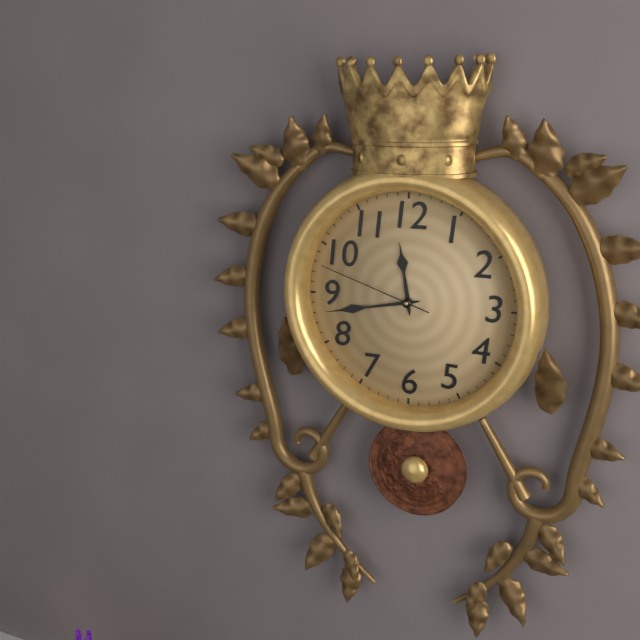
h=11 m=43 s=48
